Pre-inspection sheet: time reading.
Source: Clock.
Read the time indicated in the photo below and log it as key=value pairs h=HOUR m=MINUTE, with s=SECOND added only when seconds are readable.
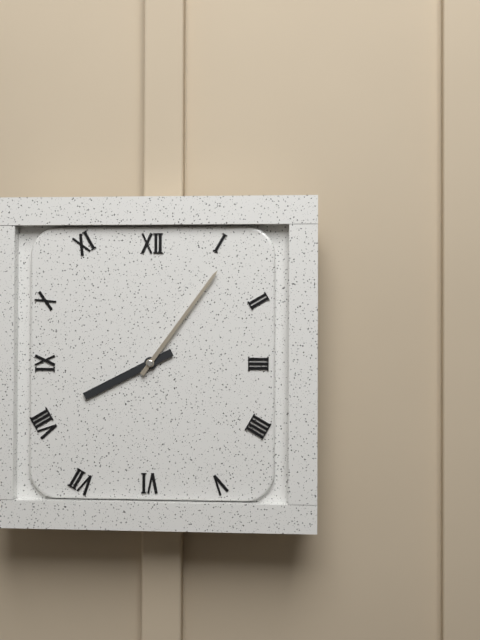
h=8 m=6
